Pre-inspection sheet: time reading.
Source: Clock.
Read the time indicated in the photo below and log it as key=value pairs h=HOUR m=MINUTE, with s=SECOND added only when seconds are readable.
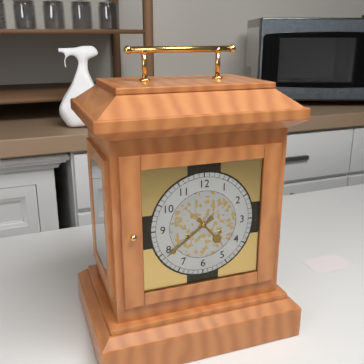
h=4 m=39
